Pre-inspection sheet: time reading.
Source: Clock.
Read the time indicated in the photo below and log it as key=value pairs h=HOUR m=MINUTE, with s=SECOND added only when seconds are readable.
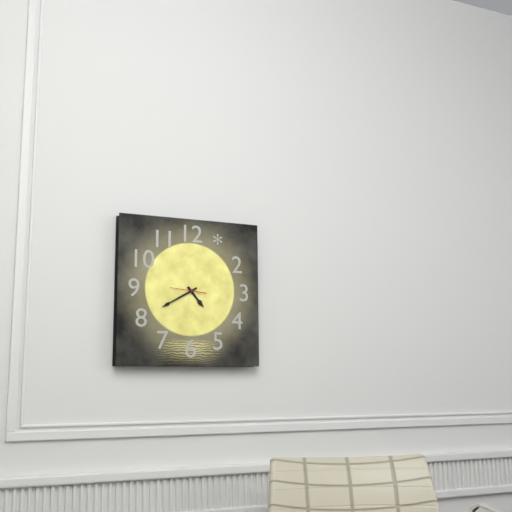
h=4 m=40
